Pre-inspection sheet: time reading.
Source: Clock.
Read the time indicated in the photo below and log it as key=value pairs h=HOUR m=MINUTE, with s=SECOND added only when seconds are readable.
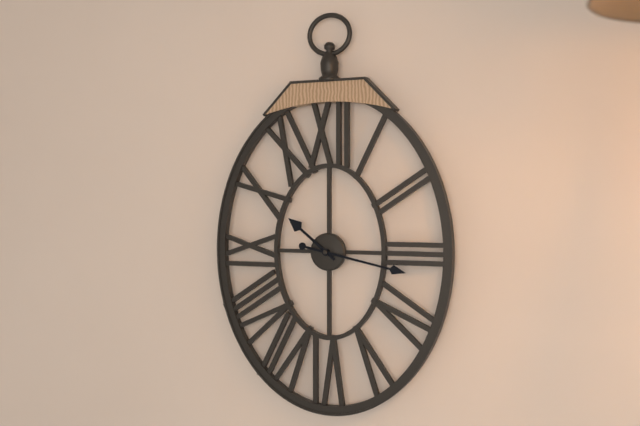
h=10 m=17
